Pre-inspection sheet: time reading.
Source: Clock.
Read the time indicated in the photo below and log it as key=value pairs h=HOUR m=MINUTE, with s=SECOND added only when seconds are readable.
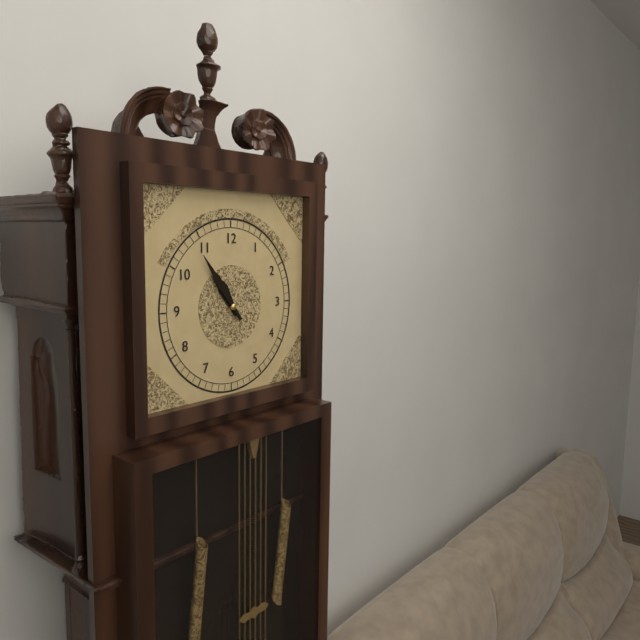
h=10 m=54
